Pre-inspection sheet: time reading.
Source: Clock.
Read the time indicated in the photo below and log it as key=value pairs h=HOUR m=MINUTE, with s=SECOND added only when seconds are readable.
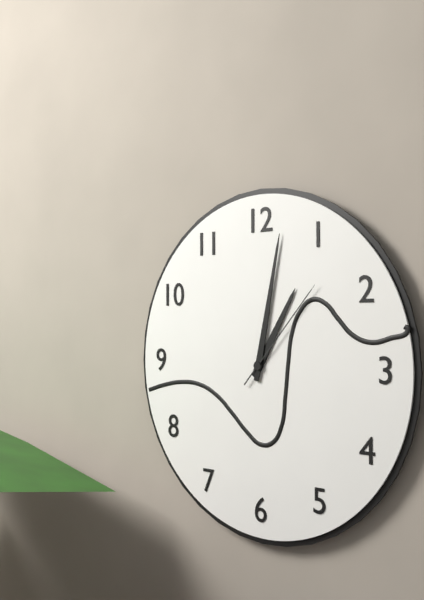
h=1 m=2 s=7
